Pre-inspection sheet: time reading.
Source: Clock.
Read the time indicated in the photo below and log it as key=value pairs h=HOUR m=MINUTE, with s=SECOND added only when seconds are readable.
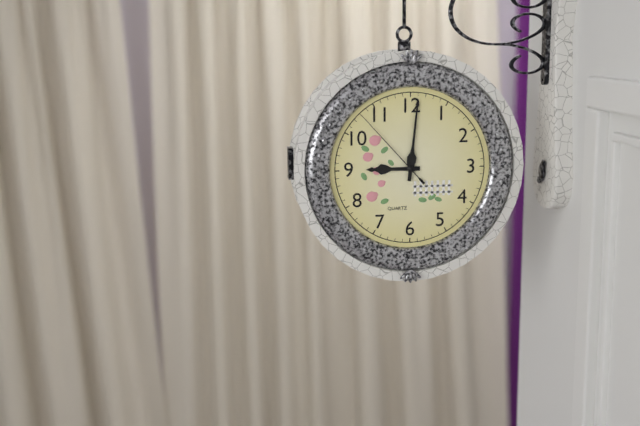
h=9 m=1 s=53
